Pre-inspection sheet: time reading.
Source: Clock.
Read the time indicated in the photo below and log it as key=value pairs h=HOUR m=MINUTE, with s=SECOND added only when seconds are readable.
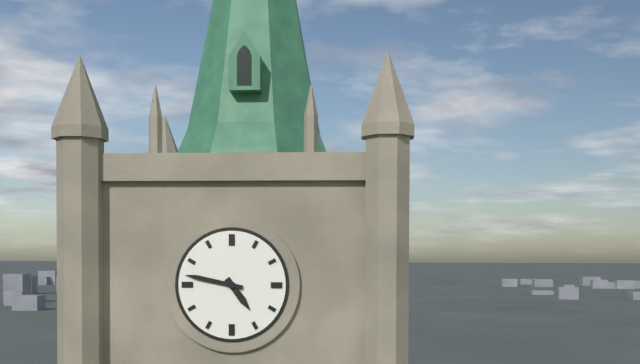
h=4 m=47
